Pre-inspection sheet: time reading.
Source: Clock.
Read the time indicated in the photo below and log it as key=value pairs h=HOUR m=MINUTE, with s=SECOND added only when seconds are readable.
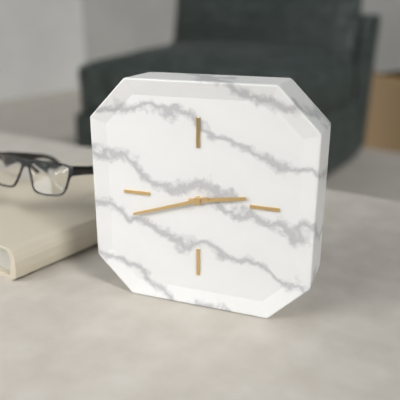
h=2 m=42
